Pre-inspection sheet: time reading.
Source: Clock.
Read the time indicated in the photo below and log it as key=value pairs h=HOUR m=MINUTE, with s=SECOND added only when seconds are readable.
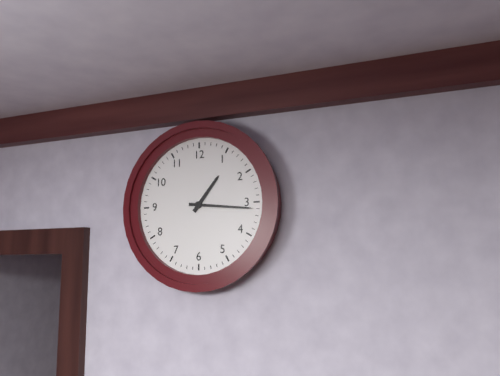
h=1 m=16
